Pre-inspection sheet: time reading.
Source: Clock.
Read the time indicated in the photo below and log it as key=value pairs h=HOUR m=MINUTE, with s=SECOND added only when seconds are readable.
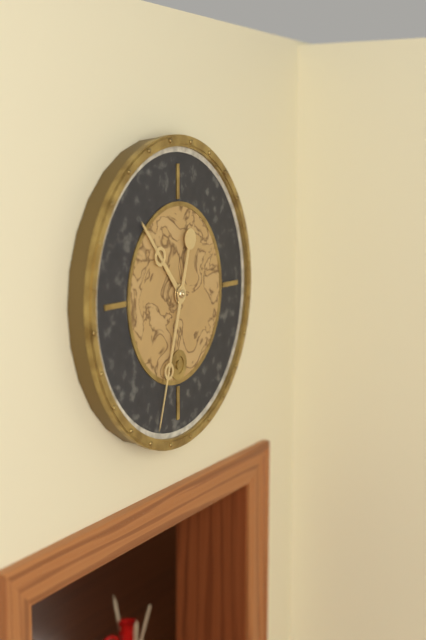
h=10 m=33
